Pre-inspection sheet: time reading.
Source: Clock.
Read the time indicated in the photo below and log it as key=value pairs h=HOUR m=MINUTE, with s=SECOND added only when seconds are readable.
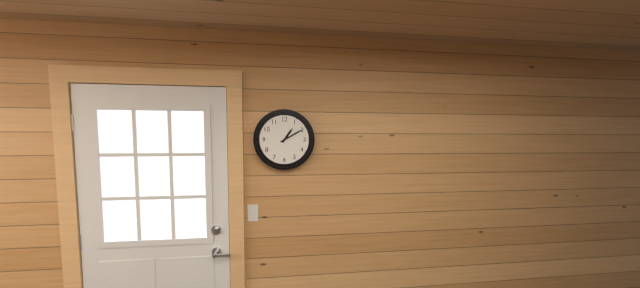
h=1 m=10
